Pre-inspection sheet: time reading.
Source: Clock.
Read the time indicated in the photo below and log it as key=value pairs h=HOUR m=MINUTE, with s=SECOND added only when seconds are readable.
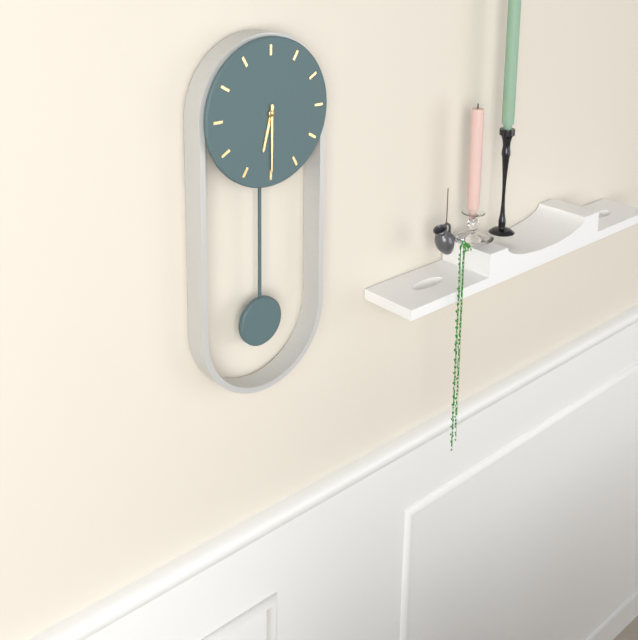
h=6 m=30
